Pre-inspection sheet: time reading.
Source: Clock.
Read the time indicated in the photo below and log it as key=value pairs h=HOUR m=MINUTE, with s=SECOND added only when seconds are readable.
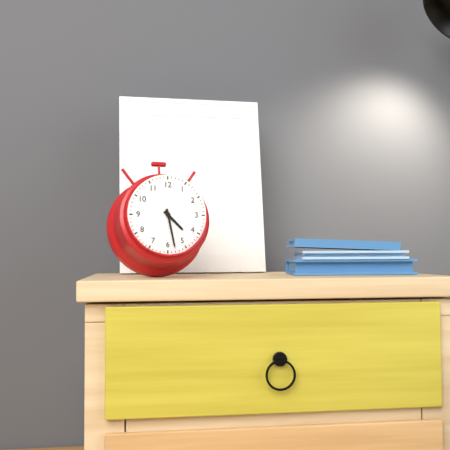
h=4 m=28
